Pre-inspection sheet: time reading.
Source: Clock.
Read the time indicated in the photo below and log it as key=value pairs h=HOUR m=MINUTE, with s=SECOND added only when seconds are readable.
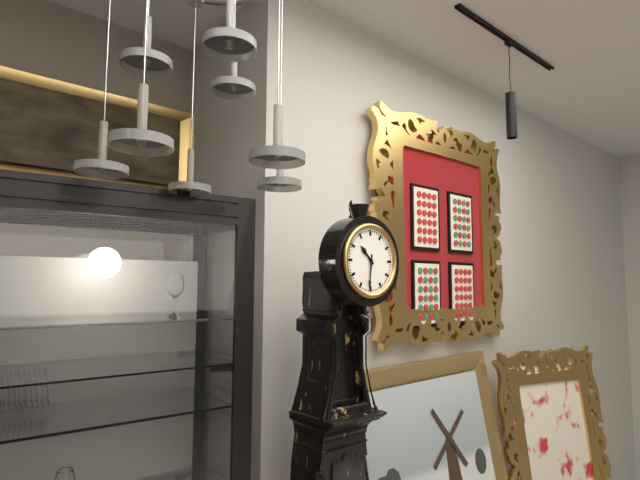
h=10 m=31
